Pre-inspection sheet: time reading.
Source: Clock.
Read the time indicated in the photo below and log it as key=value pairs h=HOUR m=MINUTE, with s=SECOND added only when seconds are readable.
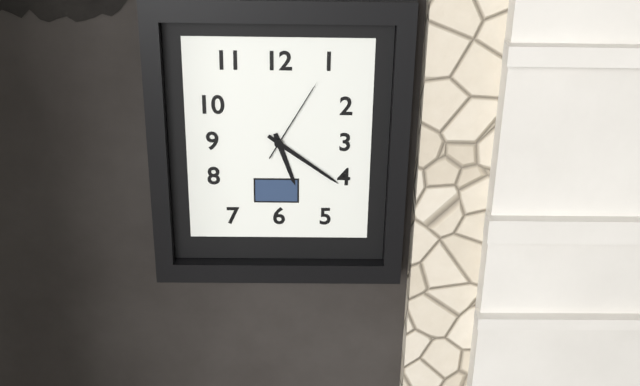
h=5 m=21 s=5
